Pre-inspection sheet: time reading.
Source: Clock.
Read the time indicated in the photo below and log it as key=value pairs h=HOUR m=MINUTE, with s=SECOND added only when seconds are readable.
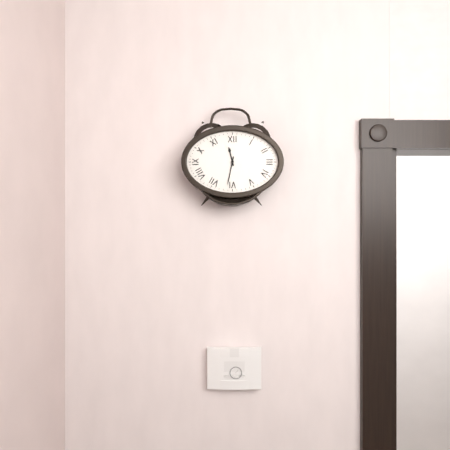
h=11 m=32
